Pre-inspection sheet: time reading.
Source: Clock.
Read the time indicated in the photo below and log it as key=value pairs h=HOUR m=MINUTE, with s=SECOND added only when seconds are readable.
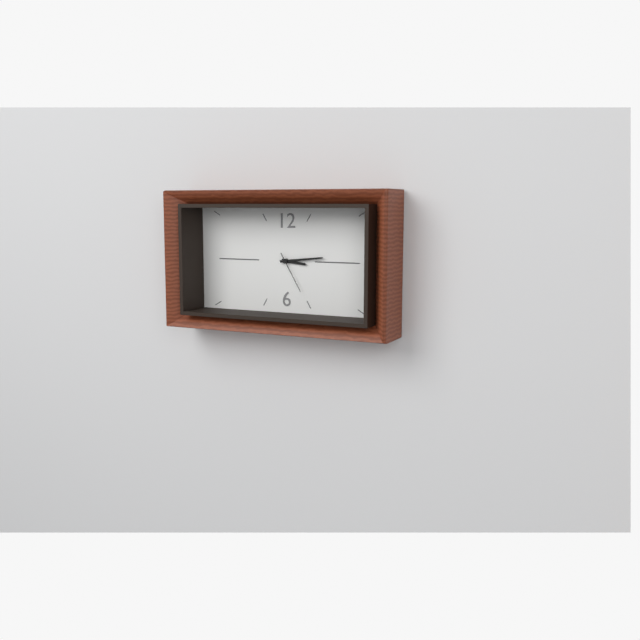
h=3 m=14
